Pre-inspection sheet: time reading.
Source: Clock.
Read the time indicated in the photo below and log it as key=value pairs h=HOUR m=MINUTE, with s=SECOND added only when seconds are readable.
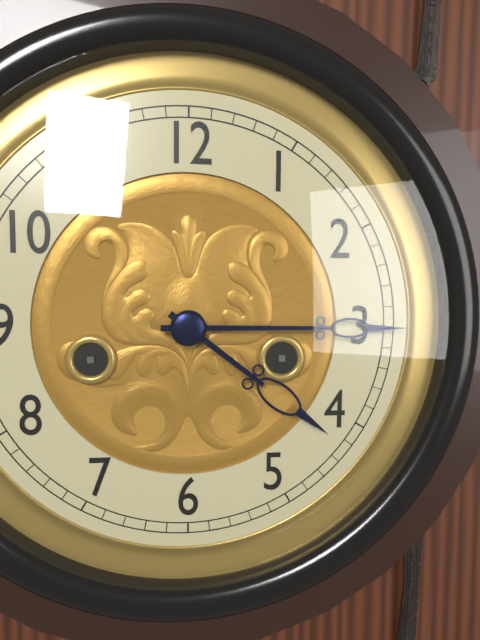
h=4 m=15
